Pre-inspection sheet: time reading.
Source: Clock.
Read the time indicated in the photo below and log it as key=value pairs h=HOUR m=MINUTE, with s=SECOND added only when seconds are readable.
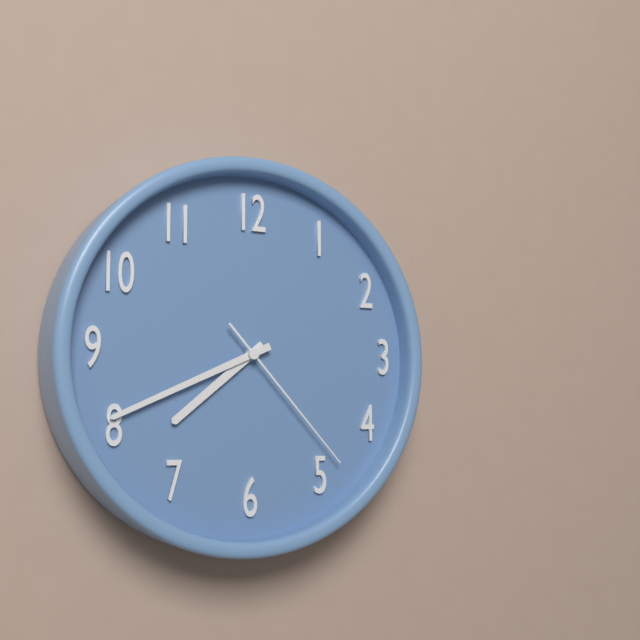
h=7 m=41 s=23
